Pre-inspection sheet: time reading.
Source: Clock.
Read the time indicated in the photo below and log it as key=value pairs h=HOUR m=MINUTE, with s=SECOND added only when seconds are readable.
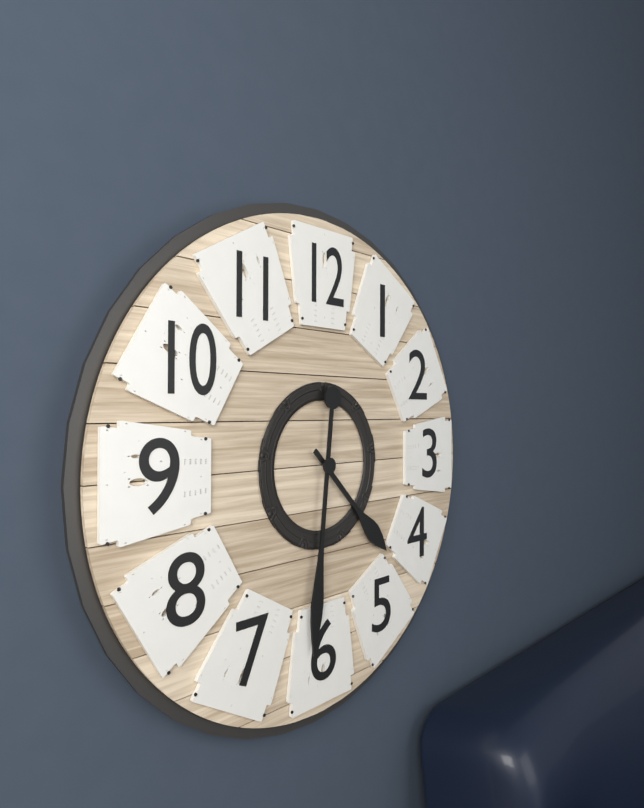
h=4 m=31
